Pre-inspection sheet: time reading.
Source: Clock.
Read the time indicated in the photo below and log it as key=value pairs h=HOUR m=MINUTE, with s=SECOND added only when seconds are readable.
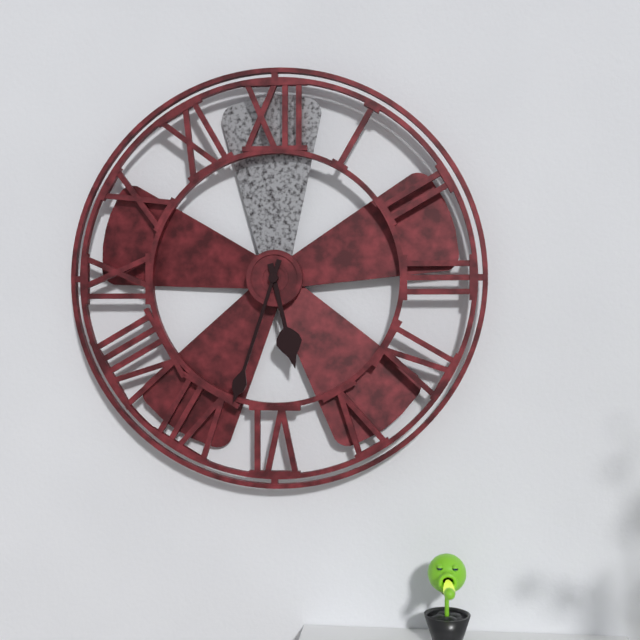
h=5 m=33
